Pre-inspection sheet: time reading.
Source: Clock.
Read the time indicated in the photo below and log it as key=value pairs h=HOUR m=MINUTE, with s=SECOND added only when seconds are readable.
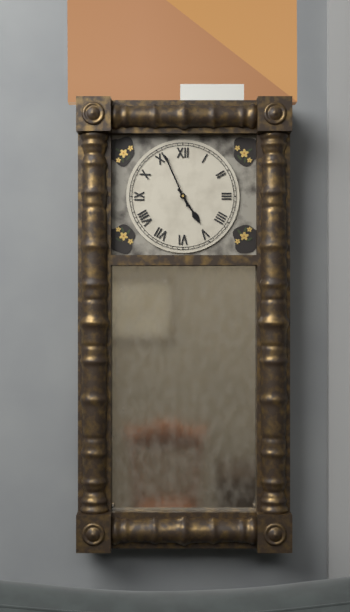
h=4 m=56
